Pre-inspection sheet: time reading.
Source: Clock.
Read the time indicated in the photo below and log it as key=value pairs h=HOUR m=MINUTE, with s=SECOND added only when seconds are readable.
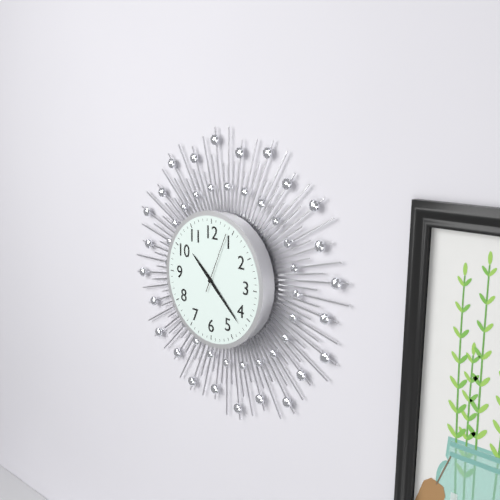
h=10 m=22 s=4
